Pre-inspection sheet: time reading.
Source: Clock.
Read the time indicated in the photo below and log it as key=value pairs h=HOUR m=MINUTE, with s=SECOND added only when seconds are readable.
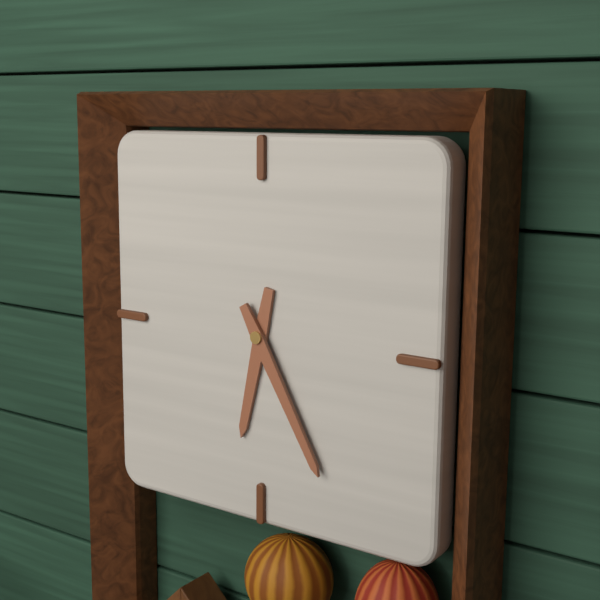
h=6 m=25
